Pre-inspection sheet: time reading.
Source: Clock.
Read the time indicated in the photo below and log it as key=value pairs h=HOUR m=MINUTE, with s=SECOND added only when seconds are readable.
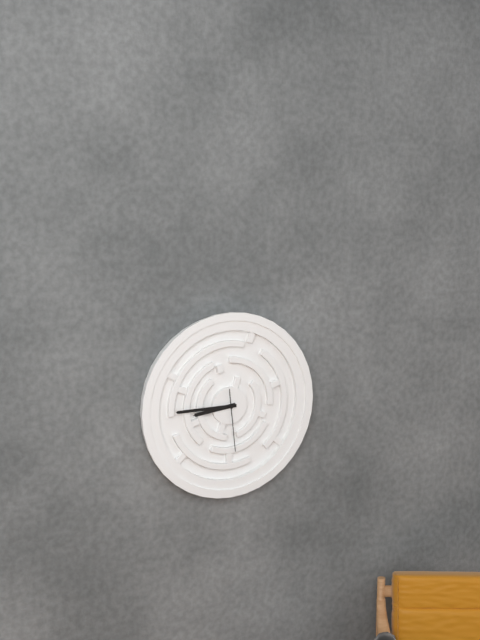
h=8 m=45 s=29
